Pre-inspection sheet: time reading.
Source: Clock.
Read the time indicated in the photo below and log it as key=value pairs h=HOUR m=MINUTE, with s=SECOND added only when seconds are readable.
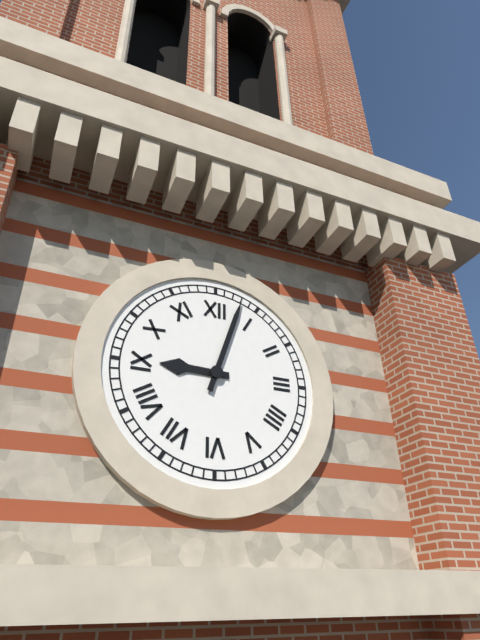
h=9 m=3
